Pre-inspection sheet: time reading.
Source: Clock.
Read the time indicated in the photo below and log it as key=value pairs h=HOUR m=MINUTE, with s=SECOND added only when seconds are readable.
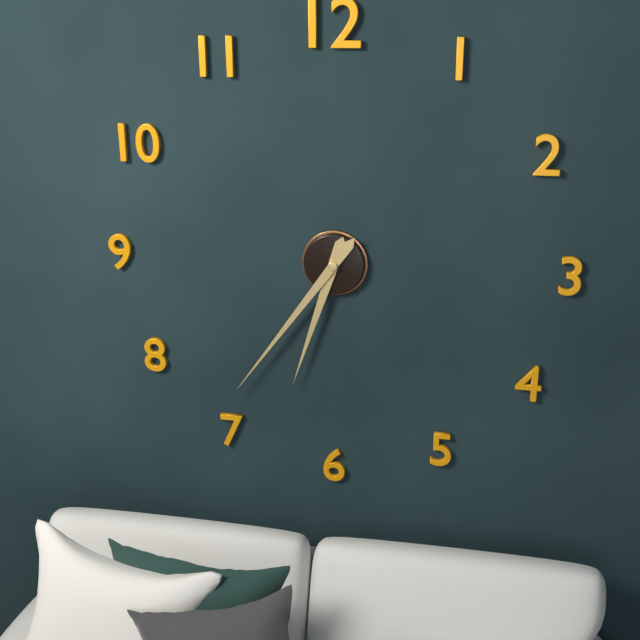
h=6 m=36
